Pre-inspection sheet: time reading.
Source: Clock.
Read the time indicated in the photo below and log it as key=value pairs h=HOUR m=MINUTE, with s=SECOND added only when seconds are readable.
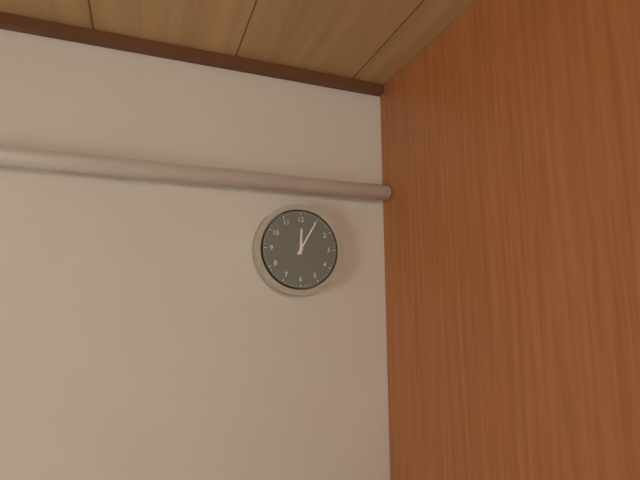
h=12 m=5
